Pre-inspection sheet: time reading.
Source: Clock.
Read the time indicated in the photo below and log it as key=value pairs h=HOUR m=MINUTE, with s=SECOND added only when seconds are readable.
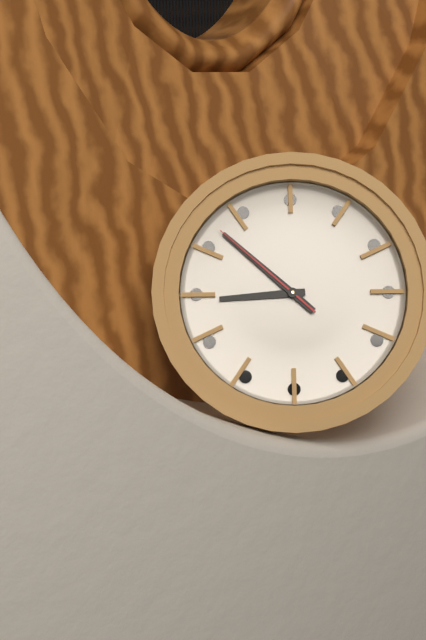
h=8 m=52 s=52
